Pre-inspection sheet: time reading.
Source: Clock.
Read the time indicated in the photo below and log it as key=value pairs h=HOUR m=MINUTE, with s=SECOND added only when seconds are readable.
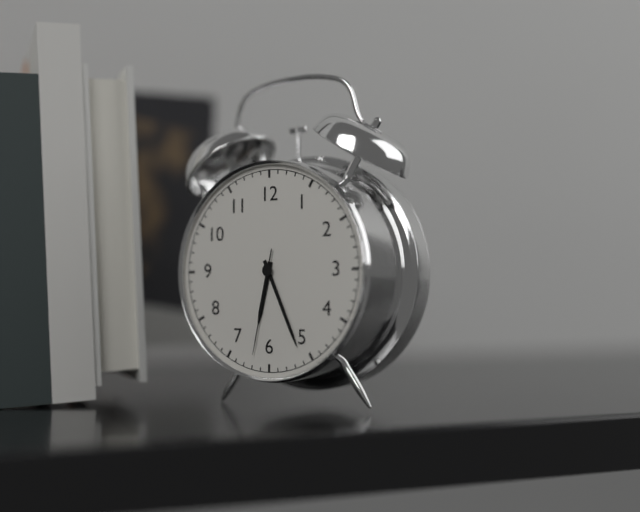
h=6 m=26 s=32
